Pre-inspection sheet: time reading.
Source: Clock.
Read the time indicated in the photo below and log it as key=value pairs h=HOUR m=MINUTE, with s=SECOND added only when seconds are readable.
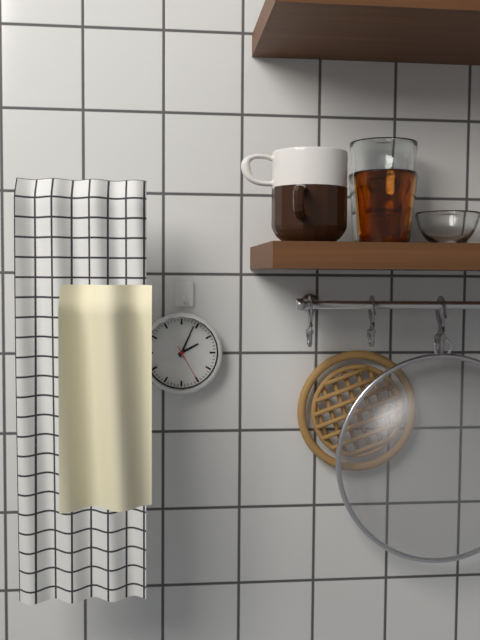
h=2 m=4
